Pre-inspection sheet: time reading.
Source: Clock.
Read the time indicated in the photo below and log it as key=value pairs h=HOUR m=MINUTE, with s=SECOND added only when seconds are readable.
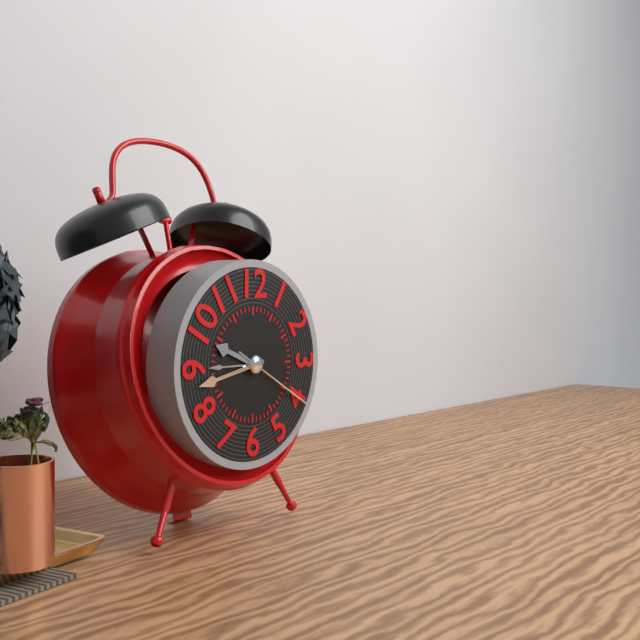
h=9 m=43 s=20
